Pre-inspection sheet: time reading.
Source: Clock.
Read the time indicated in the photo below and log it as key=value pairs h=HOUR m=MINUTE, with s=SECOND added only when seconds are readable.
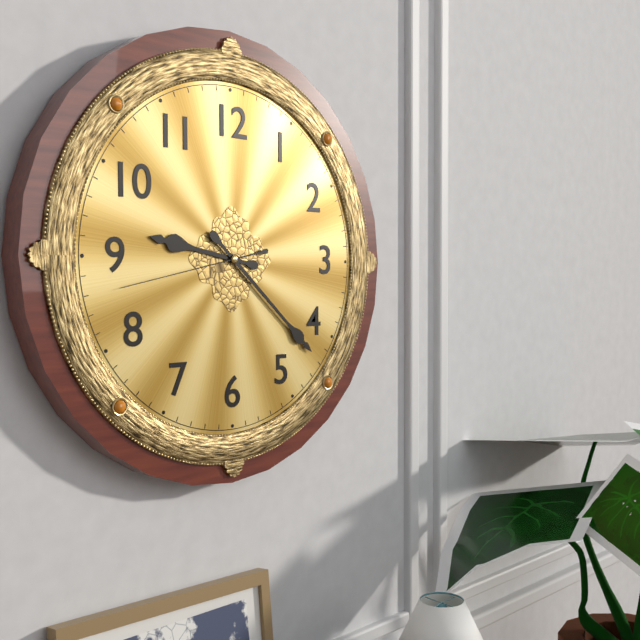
h=9 m=22 s=43
